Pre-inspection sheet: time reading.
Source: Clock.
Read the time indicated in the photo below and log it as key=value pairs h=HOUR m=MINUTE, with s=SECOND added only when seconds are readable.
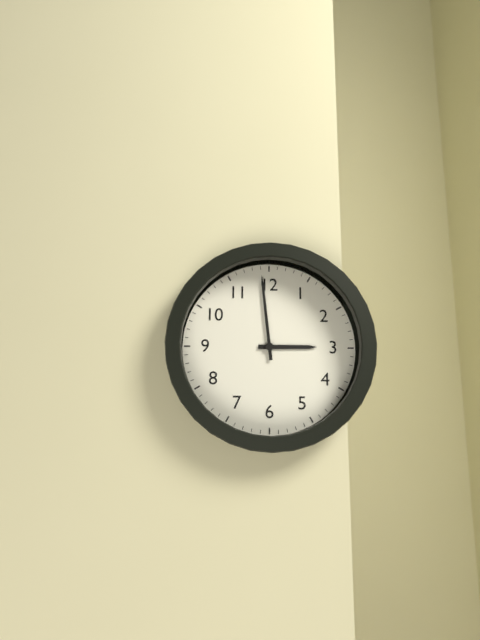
h=2 m=59
